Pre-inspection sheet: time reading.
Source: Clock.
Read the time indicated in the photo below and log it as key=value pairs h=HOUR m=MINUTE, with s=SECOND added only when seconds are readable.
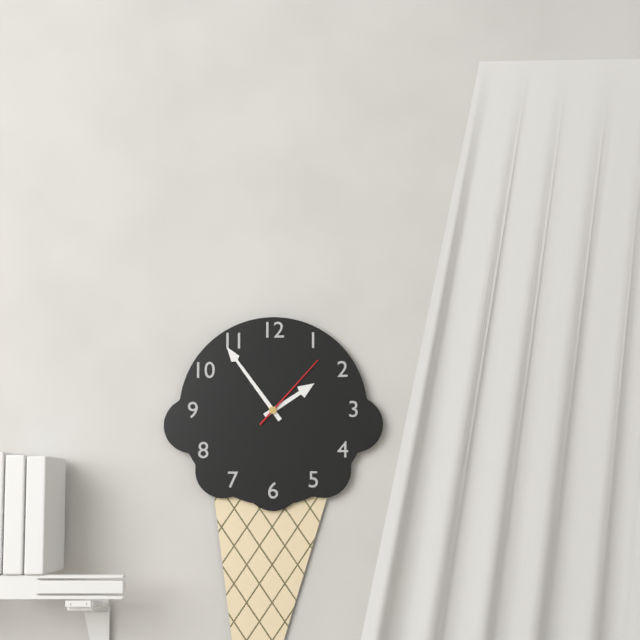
h=1 m=54 s=7
